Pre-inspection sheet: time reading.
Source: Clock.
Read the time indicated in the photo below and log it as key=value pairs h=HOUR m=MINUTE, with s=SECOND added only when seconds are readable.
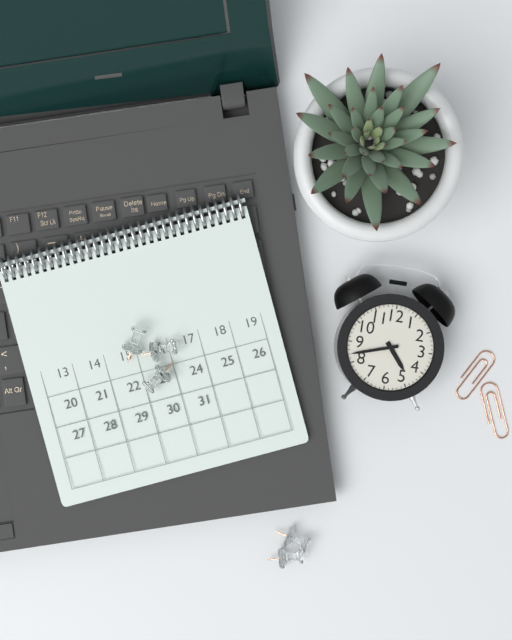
h=4 m=42
